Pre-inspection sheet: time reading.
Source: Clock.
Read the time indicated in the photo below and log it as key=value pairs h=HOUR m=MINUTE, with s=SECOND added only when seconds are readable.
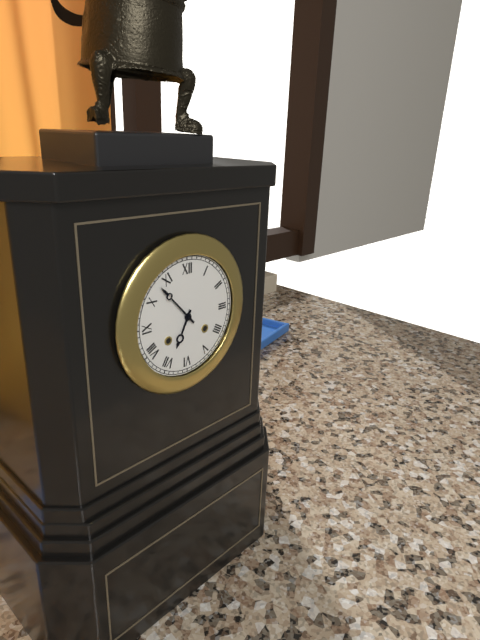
h=6 m=53
